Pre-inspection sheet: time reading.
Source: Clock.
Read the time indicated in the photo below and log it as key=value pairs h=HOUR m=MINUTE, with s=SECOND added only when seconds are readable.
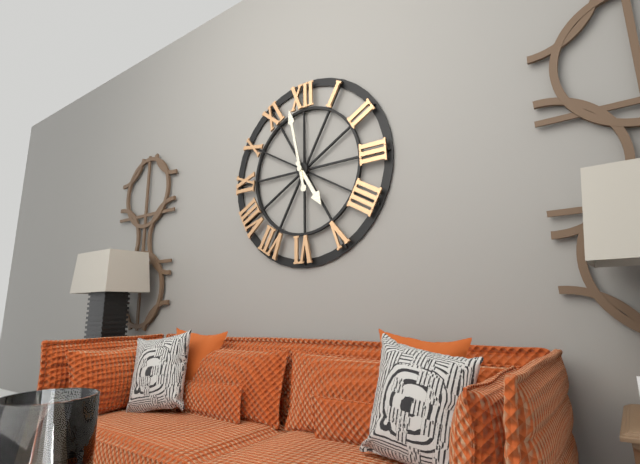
h=4 m=58
